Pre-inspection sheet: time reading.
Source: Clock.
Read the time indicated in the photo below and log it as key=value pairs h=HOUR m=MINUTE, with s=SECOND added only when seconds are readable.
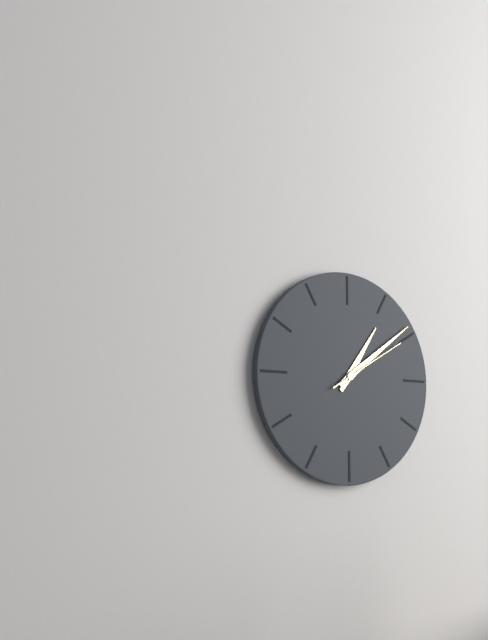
h=1 m=9 s=10
